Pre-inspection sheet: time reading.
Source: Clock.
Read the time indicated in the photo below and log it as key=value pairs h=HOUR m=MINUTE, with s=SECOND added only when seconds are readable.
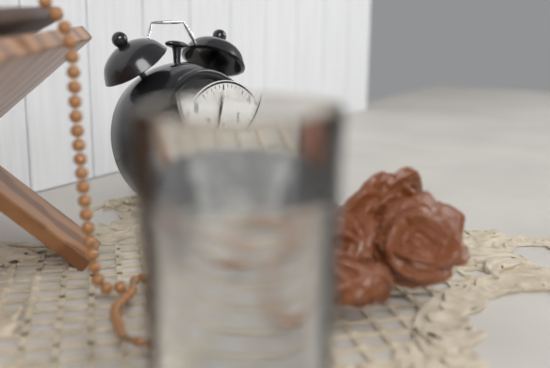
h=12 m=32 s=57
